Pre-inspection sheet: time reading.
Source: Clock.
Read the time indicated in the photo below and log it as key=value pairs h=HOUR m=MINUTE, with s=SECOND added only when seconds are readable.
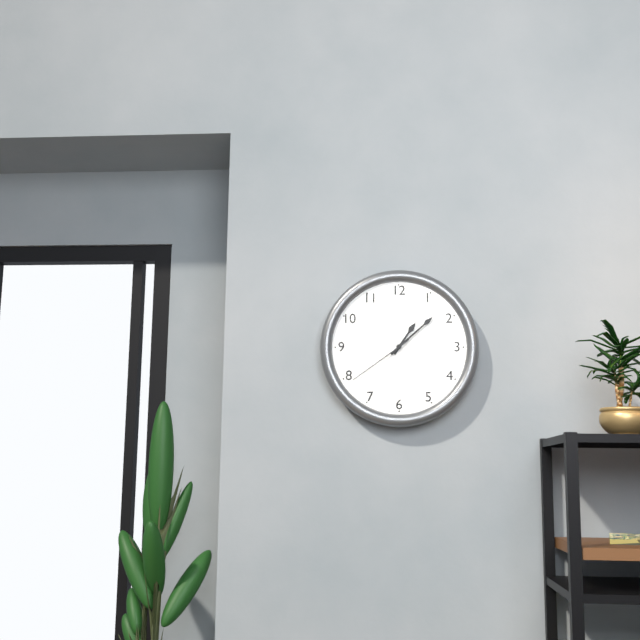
h=1 m=8 s=39
